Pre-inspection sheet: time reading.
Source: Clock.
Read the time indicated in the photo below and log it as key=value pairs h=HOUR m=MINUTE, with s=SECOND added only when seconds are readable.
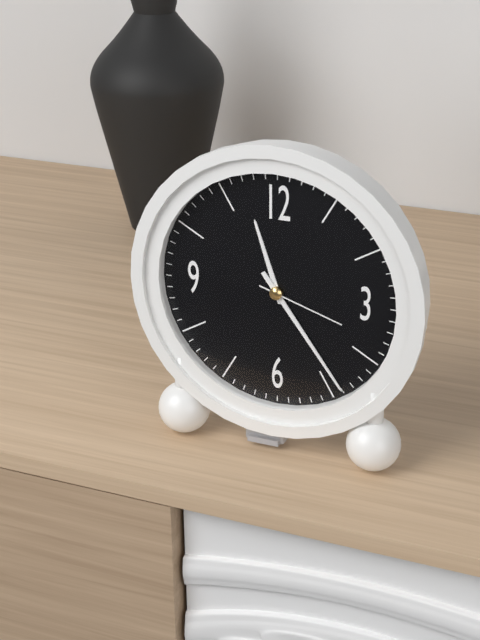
h=11 m=24 s=18
